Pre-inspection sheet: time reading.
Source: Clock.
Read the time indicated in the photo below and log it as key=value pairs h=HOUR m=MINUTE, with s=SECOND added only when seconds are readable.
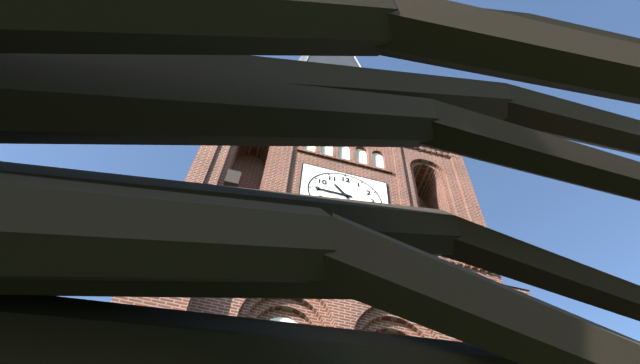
h=10 m=45
